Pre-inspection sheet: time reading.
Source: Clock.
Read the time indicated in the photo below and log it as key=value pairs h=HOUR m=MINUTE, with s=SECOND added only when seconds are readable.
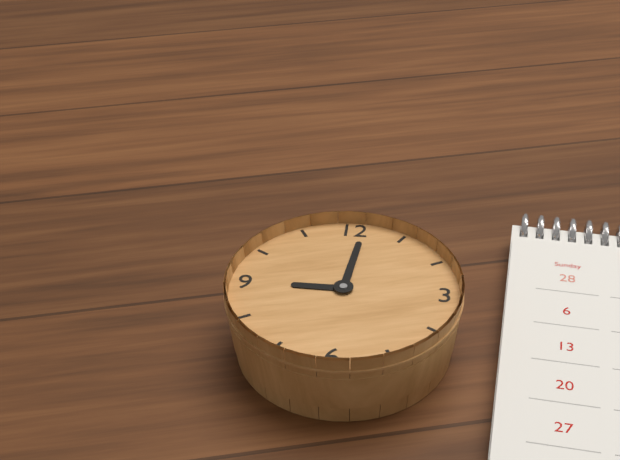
h=9 m=1
